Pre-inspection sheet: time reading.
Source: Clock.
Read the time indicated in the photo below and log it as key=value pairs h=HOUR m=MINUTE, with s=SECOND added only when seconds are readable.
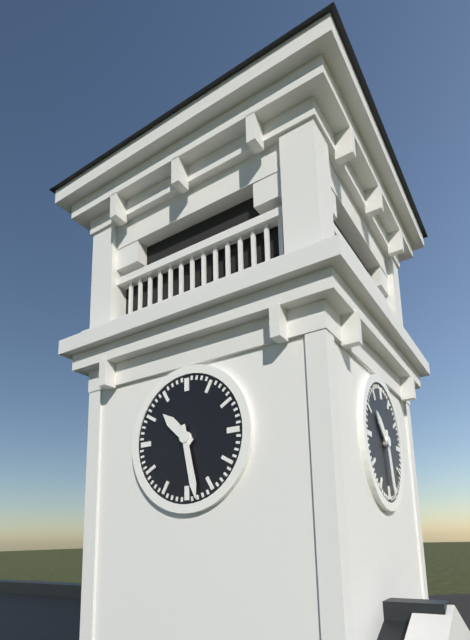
h=10 m=28
